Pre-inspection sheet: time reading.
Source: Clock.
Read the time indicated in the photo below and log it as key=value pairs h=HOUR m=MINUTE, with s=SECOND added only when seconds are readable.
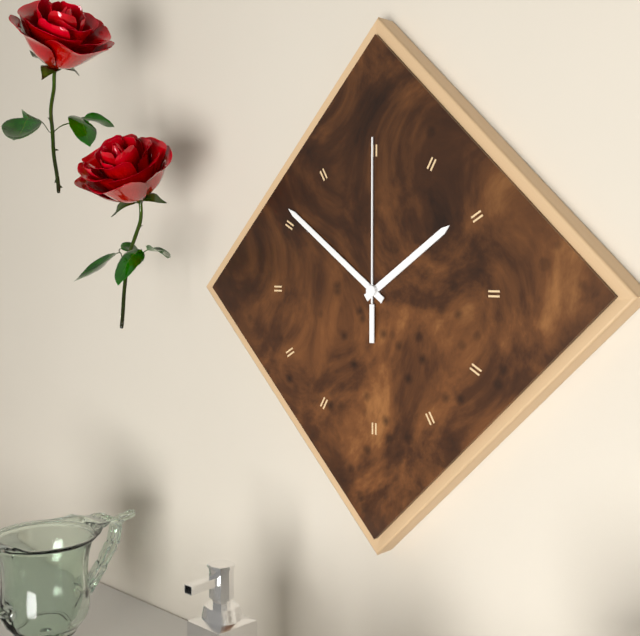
h=1 m=51 s=0
